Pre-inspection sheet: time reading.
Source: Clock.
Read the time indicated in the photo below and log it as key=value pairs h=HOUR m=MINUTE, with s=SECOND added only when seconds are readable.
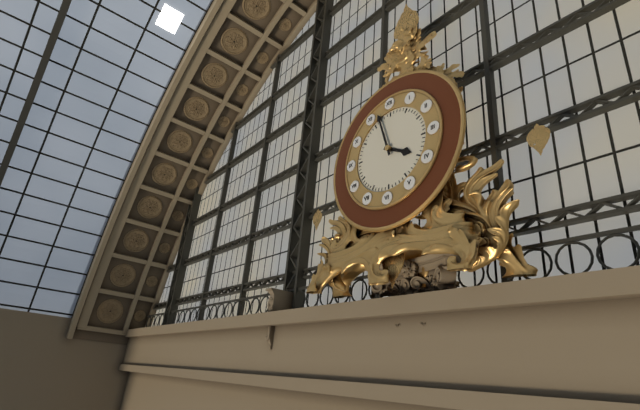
h=3 m=57
